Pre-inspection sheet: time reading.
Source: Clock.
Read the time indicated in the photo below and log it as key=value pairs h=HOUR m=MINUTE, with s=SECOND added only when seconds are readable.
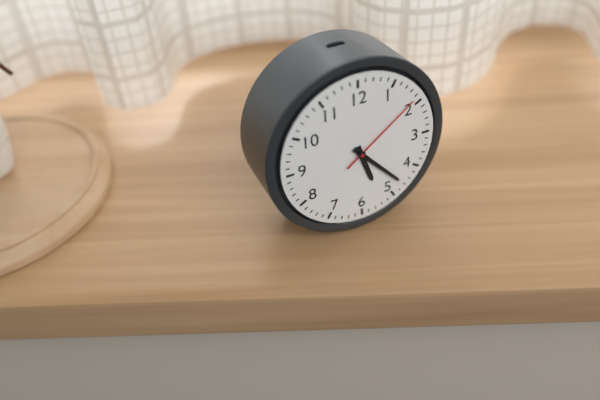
h=5 m=23 s=9
